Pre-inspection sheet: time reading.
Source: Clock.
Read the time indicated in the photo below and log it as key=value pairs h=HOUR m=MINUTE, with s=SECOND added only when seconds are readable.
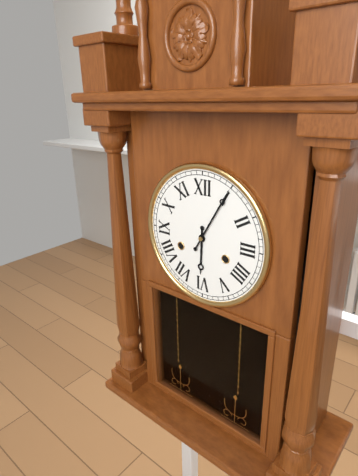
h=6 m=5
